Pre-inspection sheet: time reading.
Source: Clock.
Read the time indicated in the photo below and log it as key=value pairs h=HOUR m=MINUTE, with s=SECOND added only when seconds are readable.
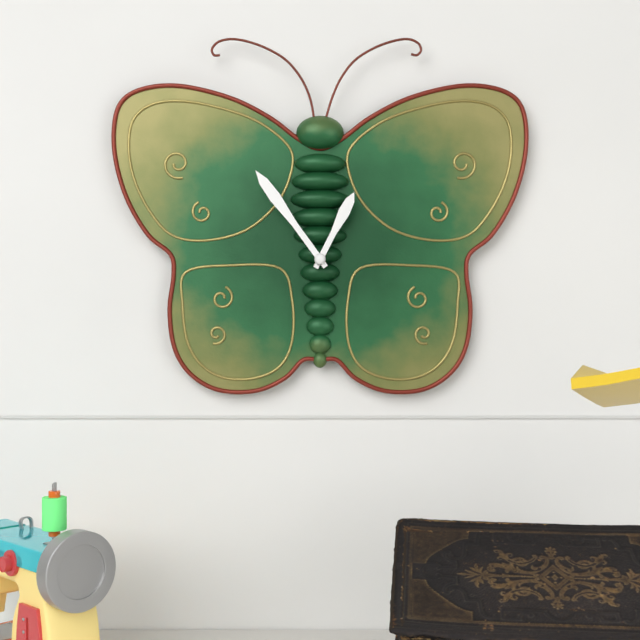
h=12 m=54
